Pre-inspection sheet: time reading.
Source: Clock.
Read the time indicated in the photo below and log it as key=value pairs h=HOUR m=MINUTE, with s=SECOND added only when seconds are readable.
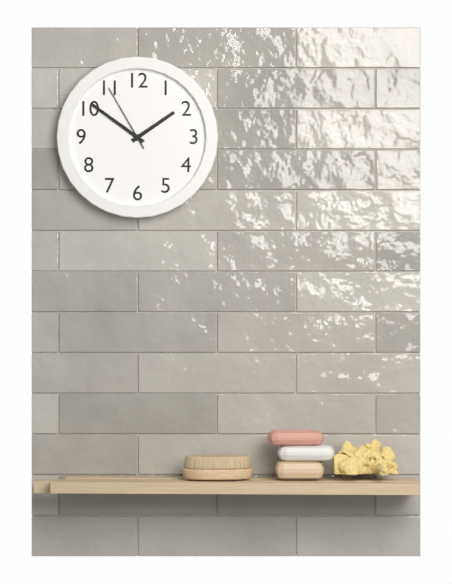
h=1 m=51 s=55
